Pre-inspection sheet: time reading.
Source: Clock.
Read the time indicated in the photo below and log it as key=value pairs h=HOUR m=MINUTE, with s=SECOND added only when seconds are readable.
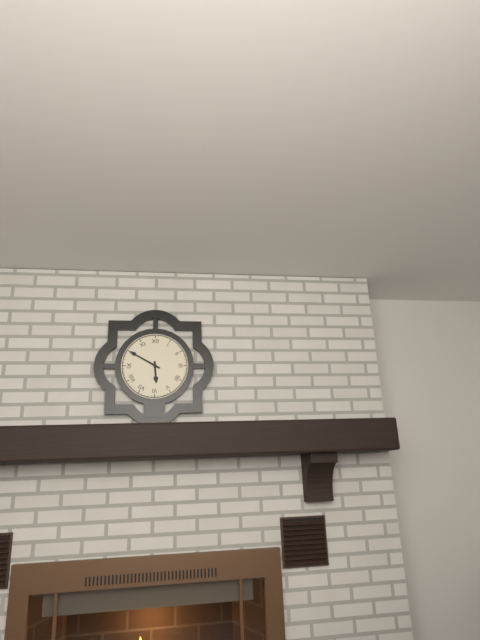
h=5 m=50
